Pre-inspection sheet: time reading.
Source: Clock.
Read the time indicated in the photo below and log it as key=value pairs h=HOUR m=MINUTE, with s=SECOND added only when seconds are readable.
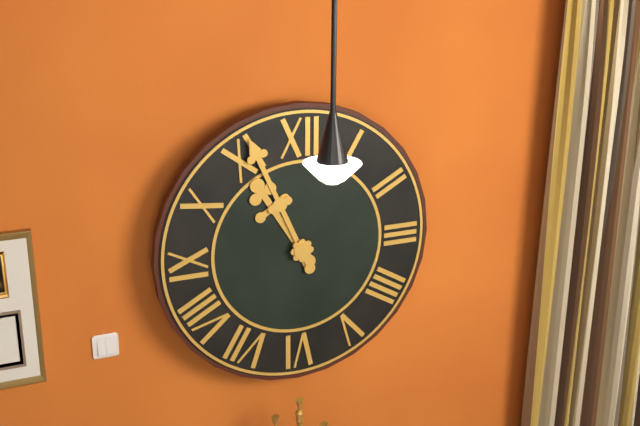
h=10 m=56
